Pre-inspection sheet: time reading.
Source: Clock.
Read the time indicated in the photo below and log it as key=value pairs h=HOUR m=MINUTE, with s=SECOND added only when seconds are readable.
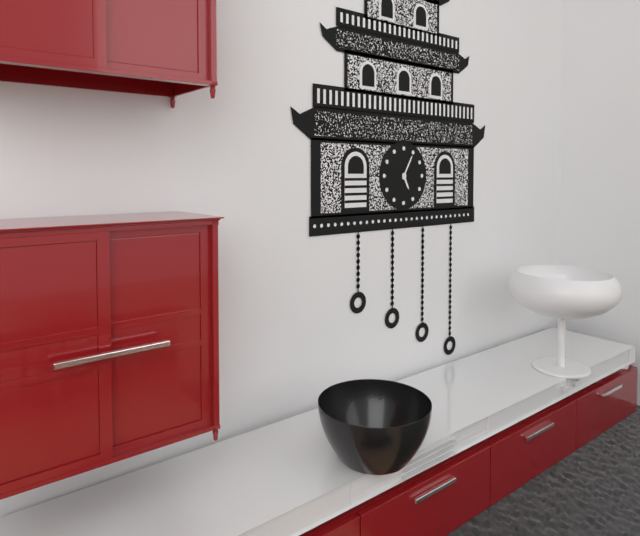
h=5 m=5
